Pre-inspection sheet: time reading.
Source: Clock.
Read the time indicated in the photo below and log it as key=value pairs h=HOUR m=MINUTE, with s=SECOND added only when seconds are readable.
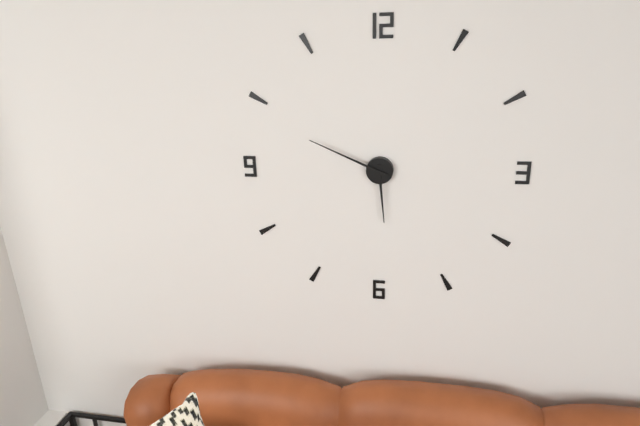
h=5 m=49
